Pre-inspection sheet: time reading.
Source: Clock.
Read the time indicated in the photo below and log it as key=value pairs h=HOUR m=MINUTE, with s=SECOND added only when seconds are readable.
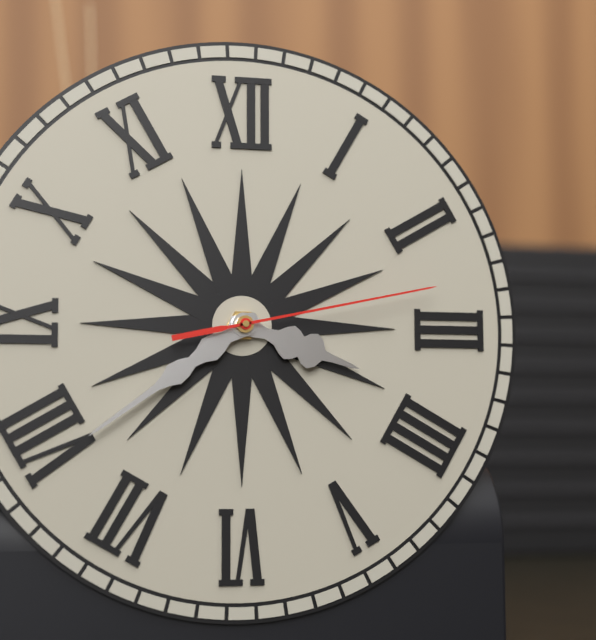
h=3 m=39 s=13
